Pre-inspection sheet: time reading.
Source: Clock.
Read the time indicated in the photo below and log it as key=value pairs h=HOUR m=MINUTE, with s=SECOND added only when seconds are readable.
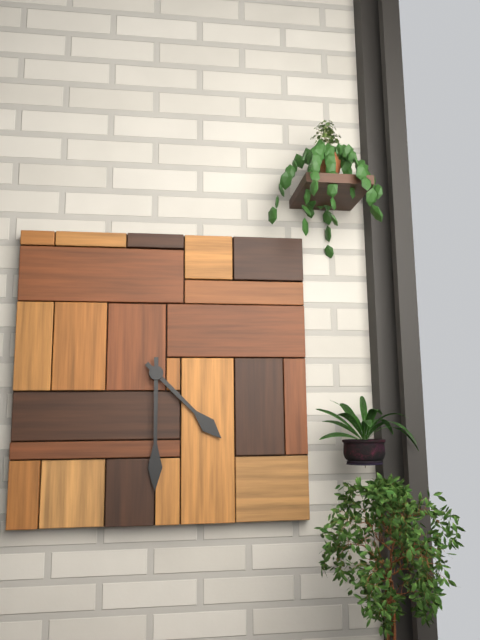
h=4 m=30
